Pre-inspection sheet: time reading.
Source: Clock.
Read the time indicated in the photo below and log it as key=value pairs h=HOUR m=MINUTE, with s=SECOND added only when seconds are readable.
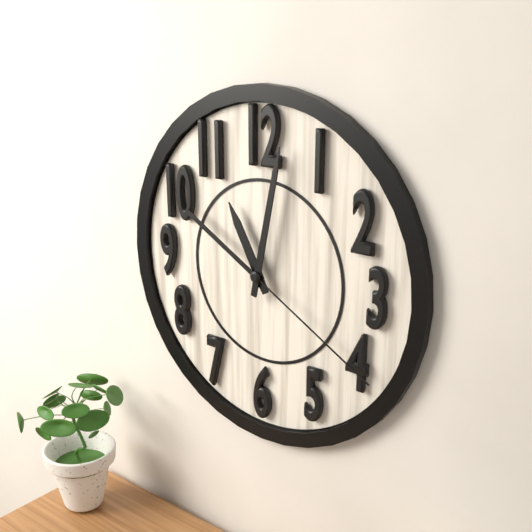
h=11 m=2 s=20
